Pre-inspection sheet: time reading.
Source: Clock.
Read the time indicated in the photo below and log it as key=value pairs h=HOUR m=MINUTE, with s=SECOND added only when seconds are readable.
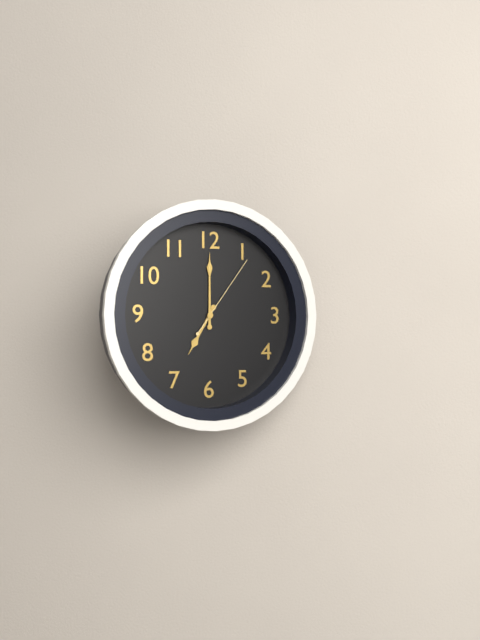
h=7 m=0 s=6
